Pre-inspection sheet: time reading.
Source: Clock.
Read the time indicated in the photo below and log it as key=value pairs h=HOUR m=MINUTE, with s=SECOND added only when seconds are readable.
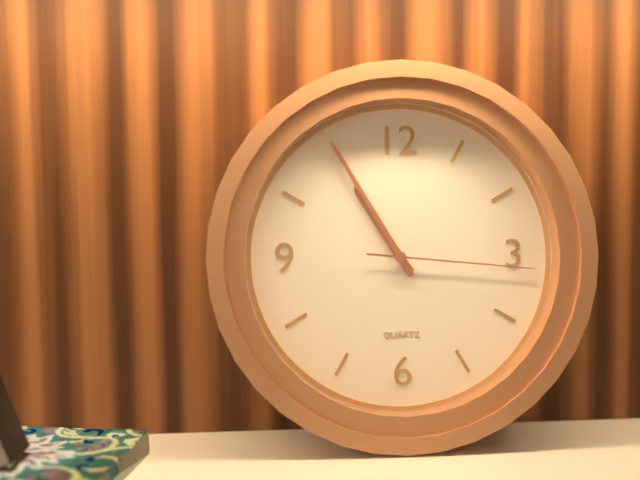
h=10 m=55 s=16
